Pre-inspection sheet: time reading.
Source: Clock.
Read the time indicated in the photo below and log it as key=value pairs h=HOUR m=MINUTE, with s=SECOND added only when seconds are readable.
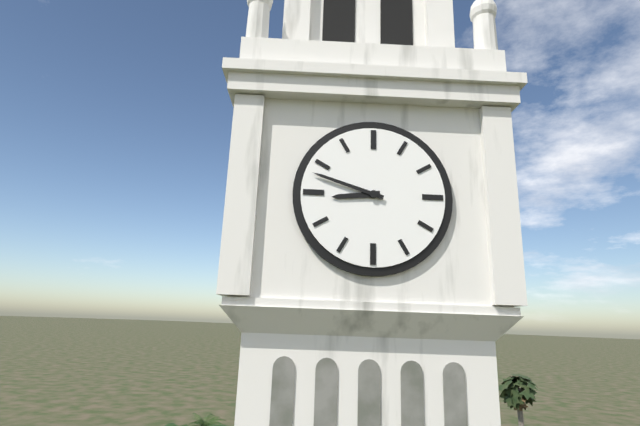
h=8 m=48
